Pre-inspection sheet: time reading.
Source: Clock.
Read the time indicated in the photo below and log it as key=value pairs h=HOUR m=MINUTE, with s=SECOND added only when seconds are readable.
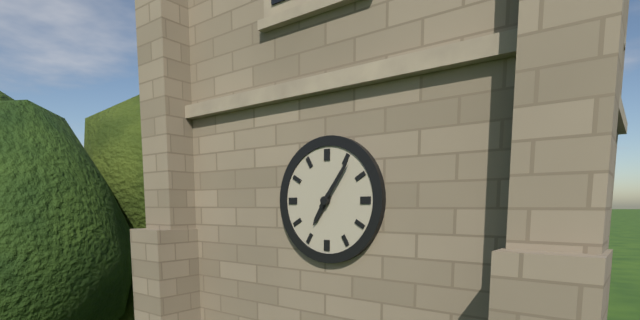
h=7 m=6
